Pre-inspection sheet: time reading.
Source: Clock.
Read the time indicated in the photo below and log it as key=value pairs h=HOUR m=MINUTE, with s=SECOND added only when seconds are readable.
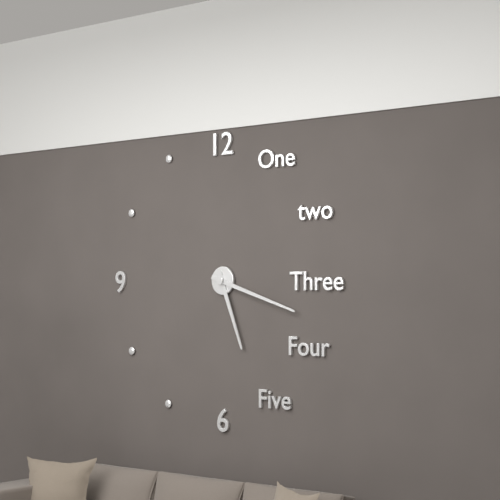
h=5 m=18
